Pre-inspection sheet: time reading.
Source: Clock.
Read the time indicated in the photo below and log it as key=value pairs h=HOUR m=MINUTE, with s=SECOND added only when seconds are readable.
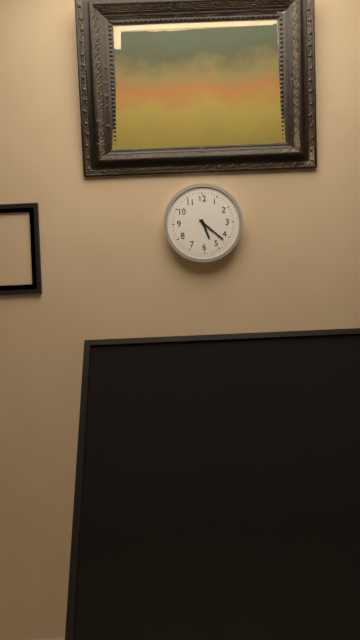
h=5 m=22
